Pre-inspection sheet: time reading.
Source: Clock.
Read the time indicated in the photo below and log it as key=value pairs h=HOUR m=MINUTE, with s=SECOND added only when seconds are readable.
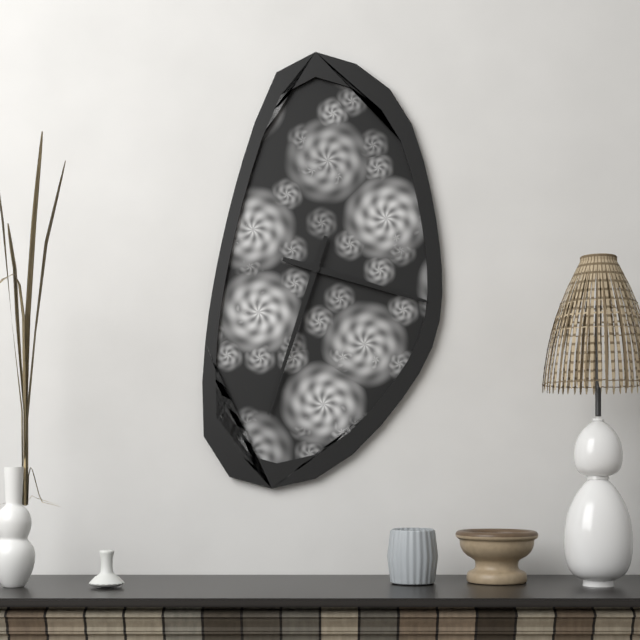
h=3 m=33
